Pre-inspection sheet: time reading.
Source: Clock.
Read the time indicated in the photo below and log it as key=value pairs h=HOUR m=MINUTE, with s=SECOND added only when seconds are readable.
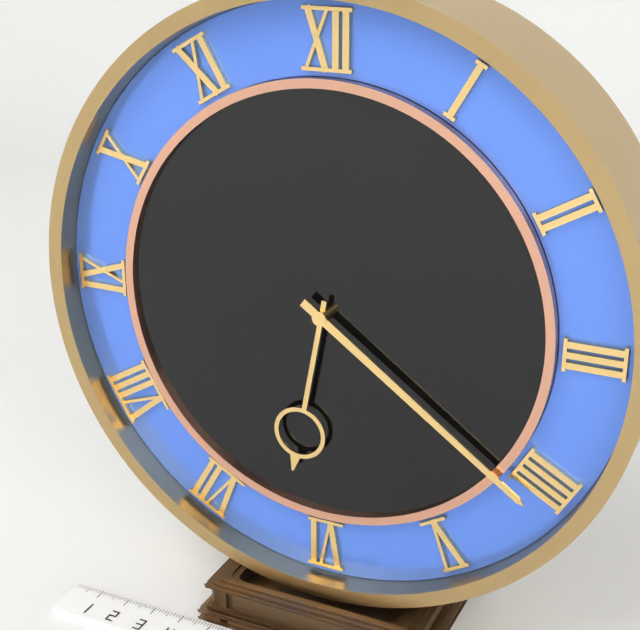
h=6 m=21
